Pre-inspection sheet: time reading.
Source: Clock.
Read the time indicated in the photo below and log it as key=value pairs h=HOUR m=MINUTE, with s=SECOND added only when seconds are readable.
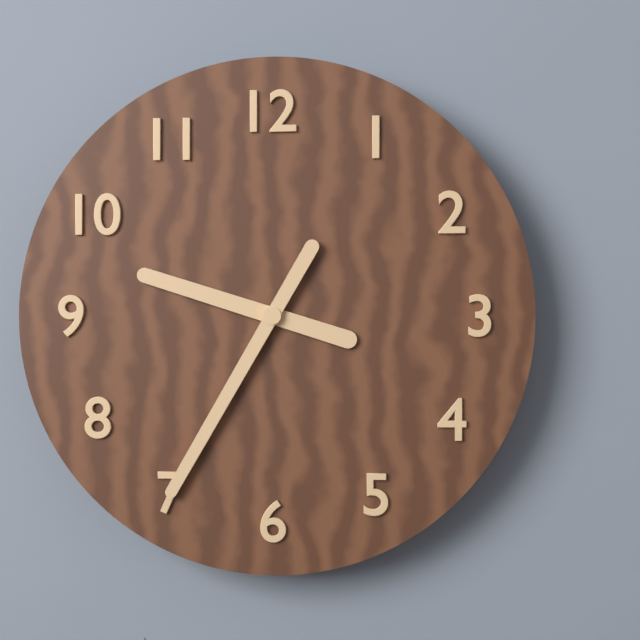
h=9 m=35
